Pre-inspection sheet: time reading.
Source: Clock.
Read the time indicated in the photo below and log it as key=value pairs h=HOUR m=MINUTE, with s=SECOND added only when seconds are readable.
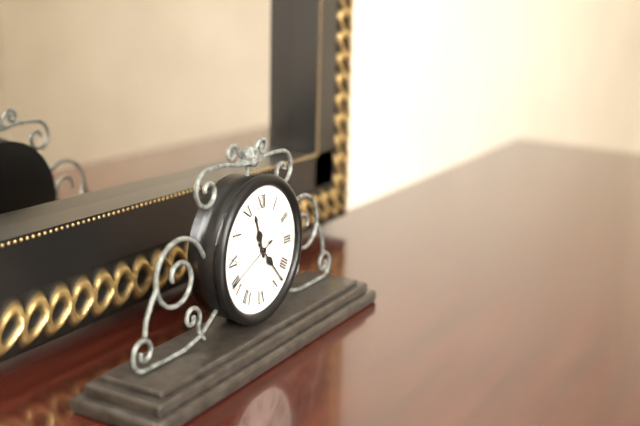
h=11 m=23 s=41
